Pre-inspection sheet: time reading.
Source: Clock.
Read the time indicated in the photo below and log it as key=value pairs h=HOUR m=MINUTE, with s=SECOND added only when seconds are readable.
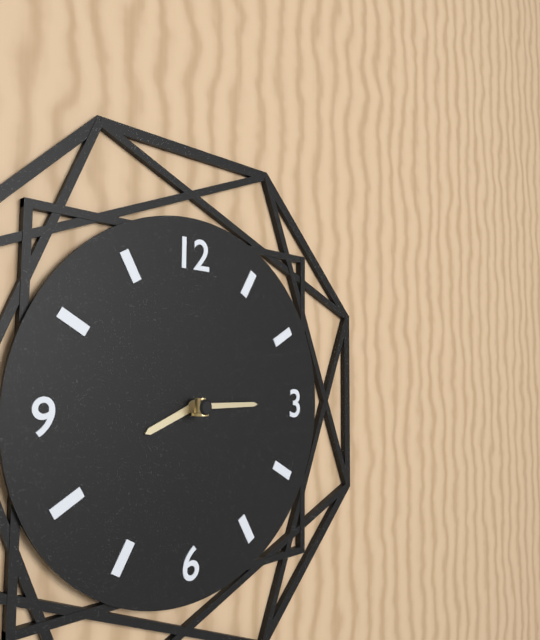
h=8 m=15
